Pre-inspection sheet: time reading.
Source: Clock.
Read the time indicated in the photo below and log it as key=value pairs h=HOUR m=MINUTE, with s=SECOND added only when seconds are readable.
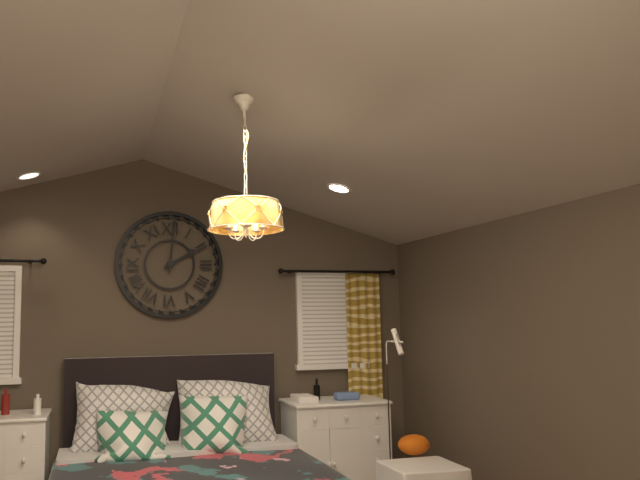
h=2 m=1
